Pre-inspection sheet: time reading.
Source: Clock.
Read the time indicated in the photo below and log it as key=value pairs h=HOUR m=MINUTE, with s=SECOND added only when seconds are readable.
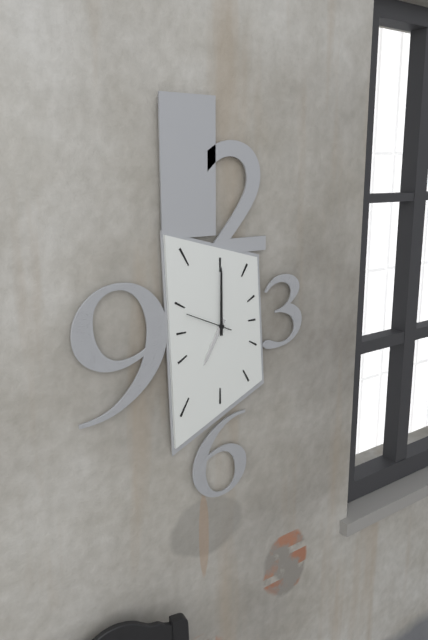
h=7 m=0
